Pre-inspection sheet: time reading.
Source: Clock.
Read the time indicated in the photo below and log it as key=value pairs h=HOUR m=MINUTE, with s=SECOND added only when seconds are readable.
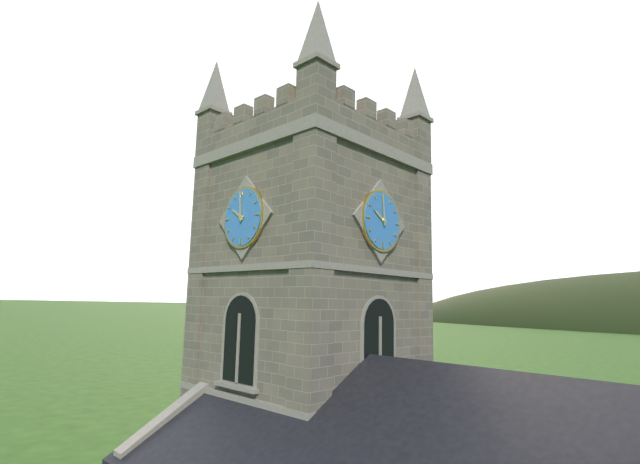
h=9 m=59
